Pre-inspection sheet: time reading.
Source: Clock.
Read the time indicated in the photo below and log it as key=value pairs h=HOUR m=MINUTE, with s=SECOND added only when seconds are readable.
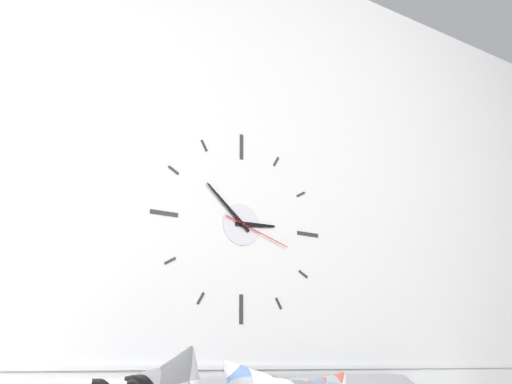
h=2 m=52 s=18
